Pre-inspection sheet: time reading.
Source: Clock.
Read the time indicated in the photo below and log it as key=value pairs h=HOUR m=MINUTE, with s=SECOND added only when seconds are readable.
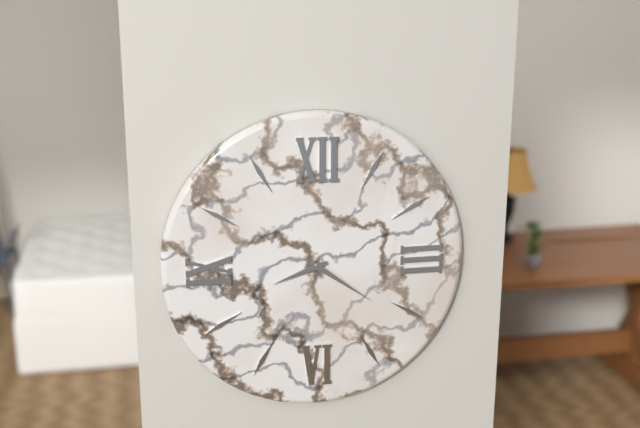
h=8 m=21
